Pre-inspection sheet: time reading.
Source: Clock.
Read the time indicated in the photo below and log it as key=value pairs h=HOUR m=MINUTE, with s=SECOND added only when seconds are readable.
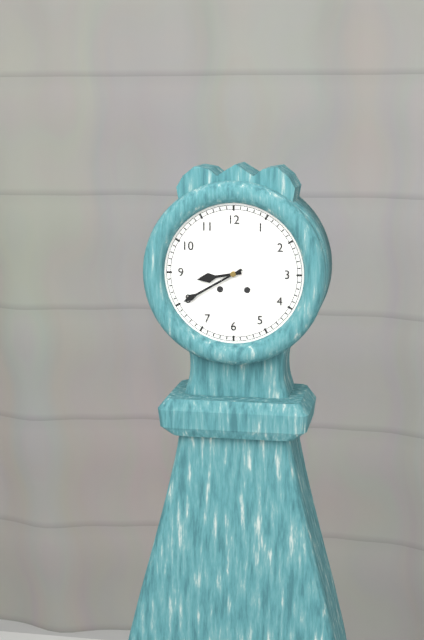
h=8 m=40
